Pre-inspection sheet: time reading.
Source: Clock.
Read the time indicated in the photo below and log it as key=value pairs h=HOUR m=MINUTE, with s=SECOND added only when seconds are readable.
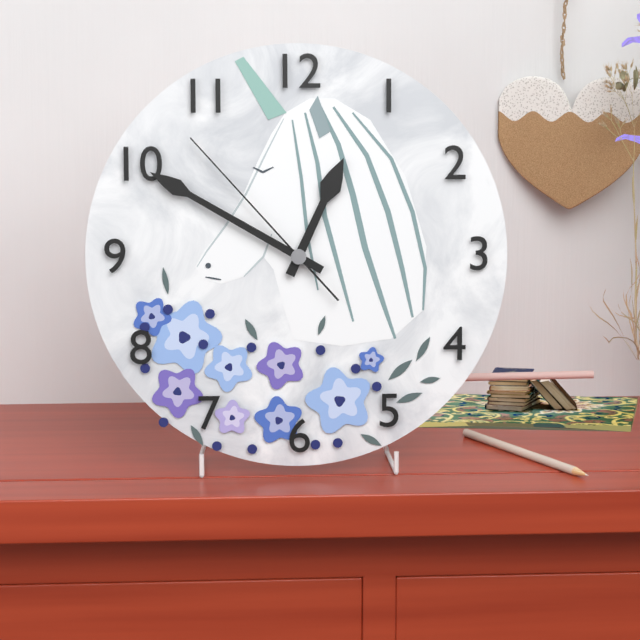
h=12 m=50 s=53
